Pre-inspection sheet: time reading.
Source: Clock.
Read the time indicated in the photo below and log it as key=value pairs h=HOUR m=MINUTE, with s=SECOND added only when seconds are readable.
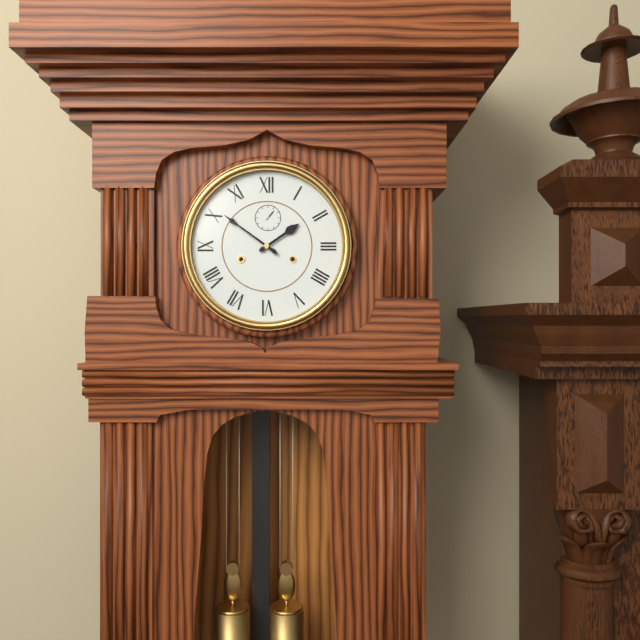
h=1 m=51
